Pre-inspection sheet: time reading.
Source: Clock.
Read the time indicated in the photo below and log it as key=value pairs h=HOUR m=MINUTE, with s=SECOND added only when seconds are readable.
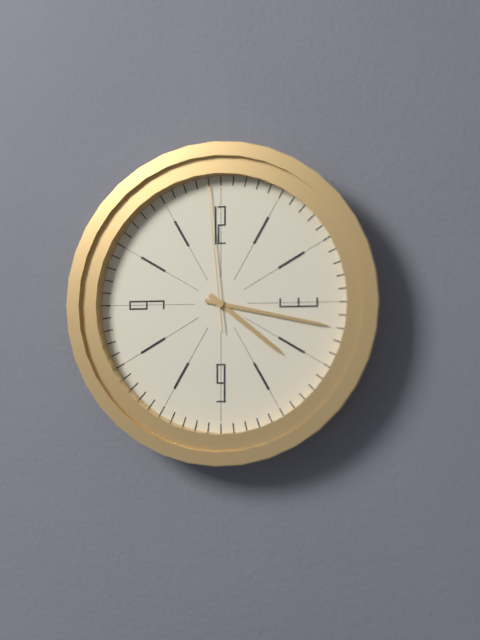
h=4 m=17 s=59
